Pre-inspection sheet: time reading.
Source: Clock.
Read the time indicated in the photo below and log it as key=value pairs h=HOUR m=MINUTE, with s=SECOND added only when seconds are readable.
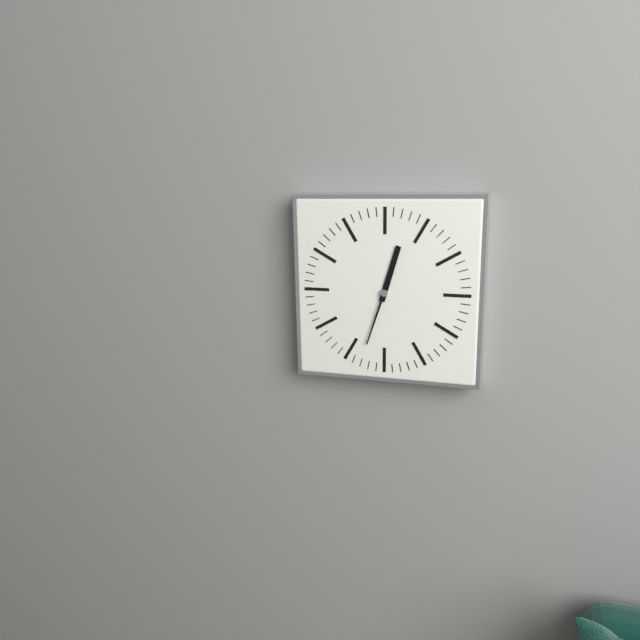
h=12 m=33
